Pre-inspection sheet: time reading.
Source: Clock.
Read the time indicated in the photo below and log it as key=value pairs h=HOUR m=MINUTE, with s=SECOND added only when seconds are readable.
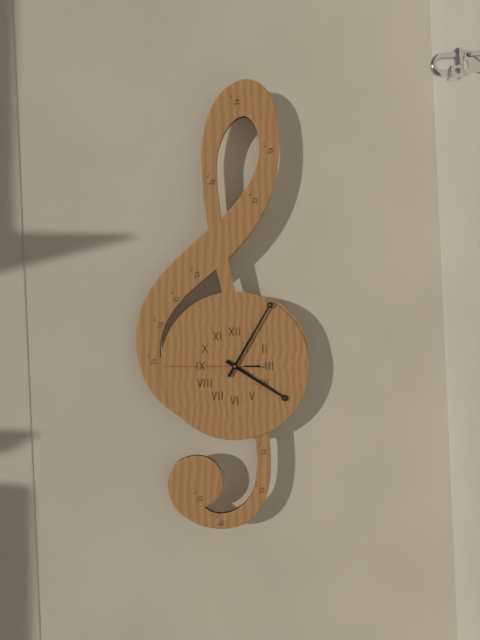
h=4 m=5 s=45
